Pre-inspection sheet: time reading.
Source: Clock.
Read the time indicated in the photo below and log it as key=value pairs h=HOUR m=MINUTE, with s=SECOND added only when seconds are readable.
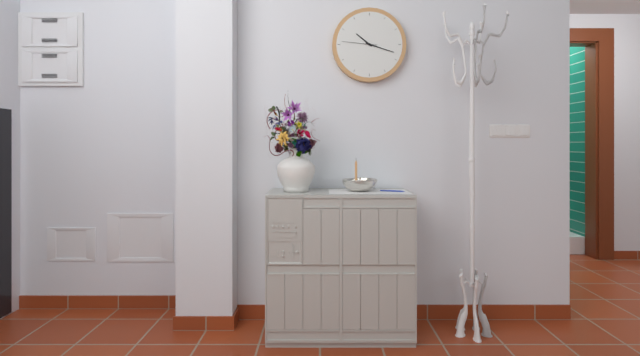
h=10 m=18
